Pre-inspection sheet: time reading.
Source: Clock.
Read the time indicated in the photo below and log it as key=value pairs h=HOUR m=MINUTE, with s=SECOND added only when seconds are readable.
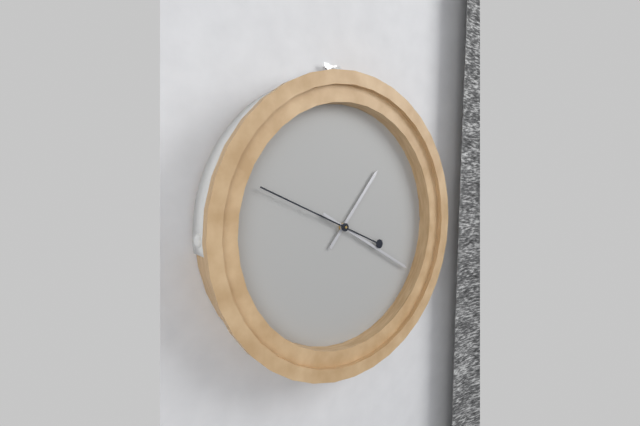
h=1 m=20 s=49
